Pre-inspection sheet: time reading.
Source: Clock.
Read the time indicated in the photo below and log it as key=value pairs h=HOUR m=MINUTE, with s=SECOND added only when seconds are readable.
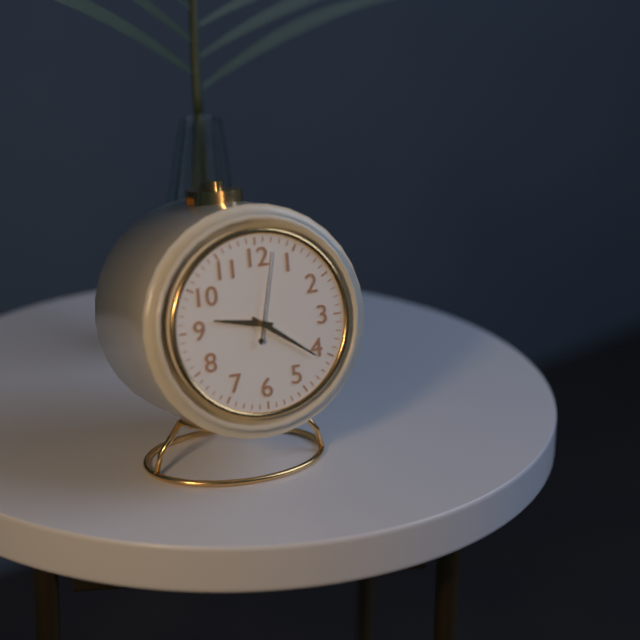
h=9 m=21 s=2
